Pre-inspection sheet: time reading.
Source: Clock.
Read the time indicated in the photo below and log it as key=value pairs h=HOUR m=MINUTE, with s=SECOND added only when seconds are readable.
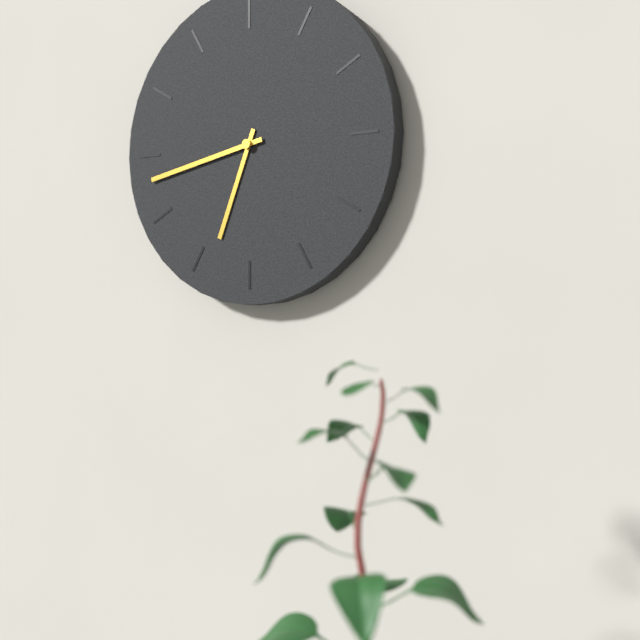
h=6 m=43
